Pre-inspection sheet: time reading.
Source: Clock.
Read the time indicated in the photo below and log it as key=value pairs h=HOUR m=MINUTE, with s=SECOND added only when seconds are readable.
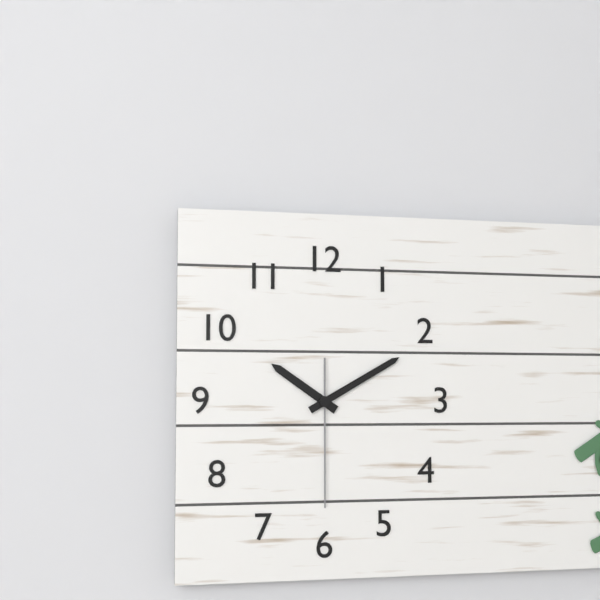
h=10 m=10 s=30
